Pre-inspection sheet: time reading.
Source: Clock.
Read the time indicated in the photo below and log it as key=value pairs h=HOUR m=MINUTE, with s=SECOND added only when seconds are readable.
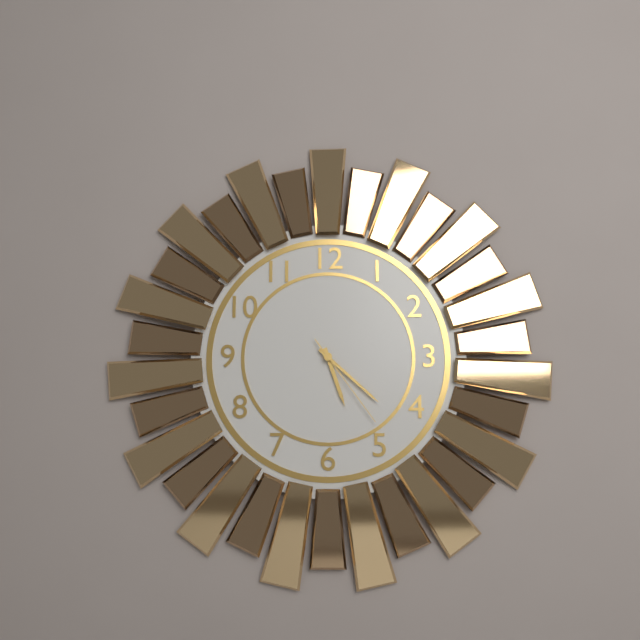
h=5 m=22 s=24
